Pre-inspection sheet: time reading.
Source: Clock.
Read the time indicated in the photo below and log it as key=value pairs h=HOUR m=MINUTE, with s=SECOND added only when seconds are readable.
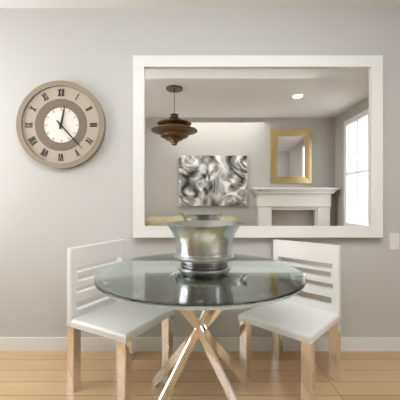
h=12 m=23
